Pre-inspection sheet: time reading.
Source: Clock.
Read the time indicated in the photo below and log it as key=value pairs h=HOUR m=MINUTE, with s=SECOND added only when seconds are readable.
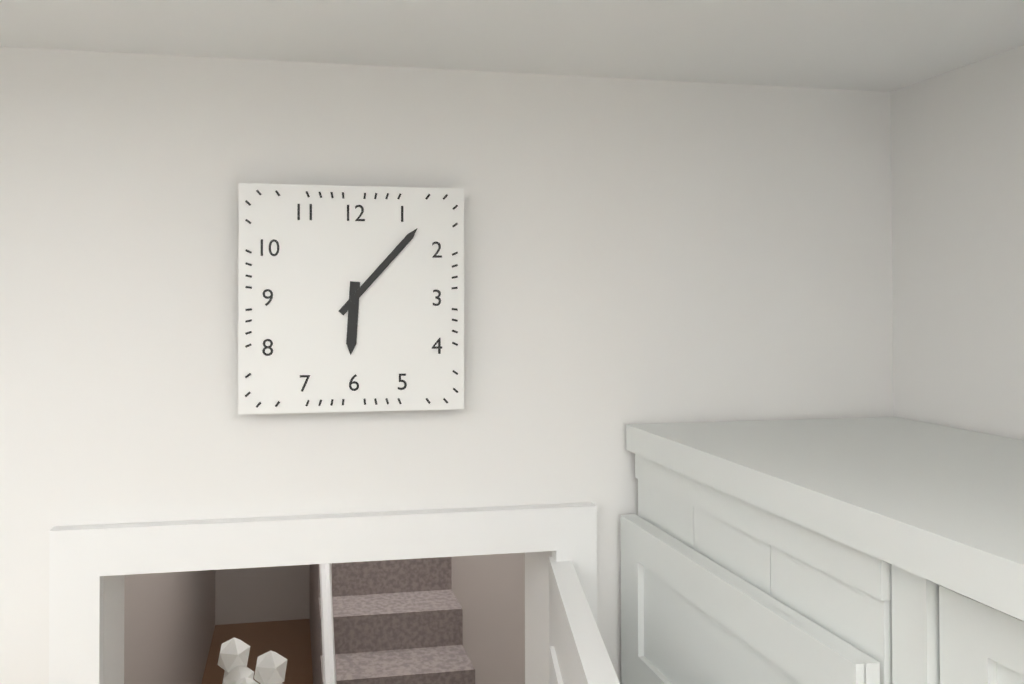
h=6 m=7
